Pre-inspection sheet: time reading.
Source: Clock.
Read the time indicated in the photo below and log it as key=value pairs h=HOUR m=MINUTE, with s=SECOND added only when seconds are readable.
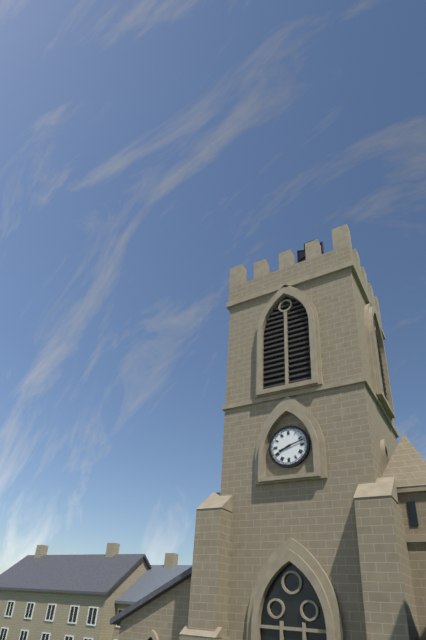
h=8 m=12
